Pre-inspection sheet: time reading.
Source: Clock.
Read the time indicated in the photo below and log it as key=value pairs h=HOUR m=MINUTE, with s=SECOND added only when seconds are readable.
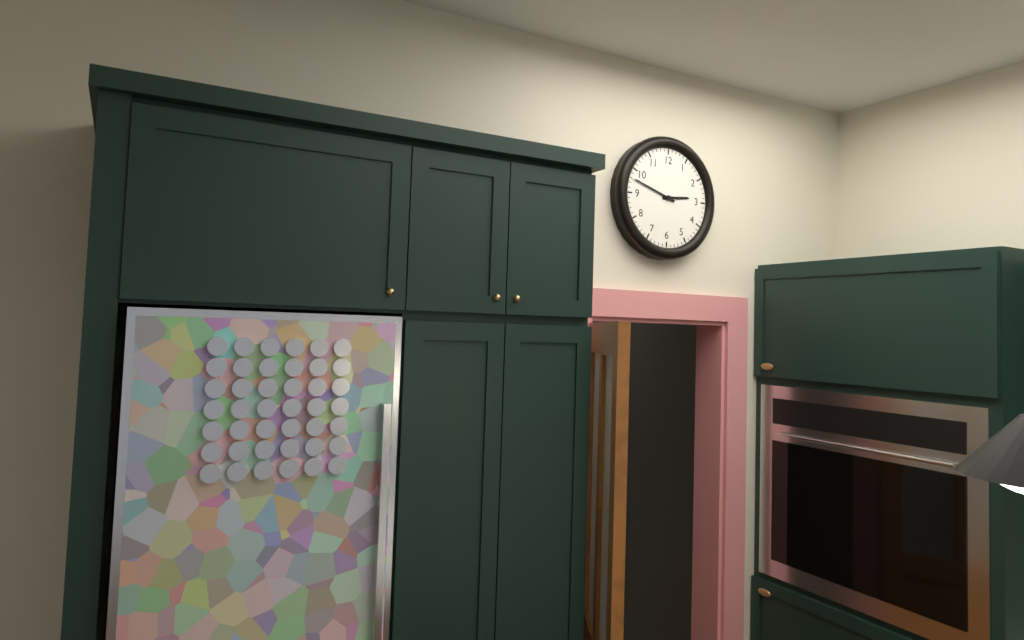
h=2 m=48
